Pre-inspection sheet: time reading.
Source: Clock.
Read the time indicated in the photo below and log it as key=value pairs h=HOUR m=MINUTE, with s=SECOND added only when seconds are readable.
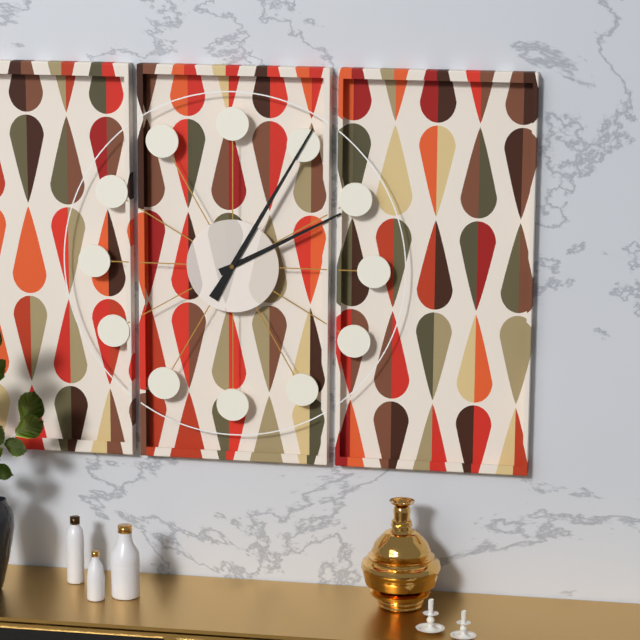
h=2 m=5
